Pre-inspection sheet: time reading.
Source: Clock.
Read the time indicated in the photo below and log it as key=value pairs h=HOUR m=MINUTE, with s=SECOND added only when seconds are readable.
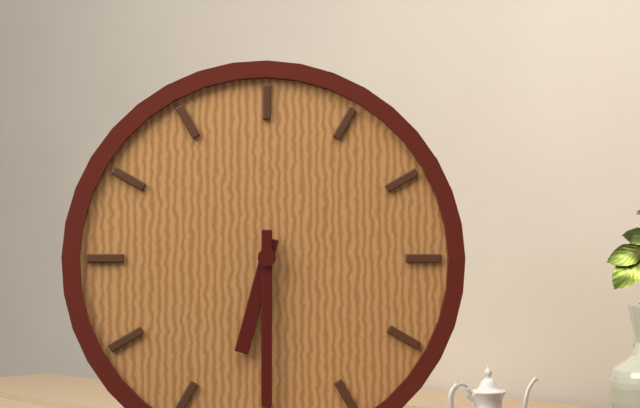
h=6 m=30
